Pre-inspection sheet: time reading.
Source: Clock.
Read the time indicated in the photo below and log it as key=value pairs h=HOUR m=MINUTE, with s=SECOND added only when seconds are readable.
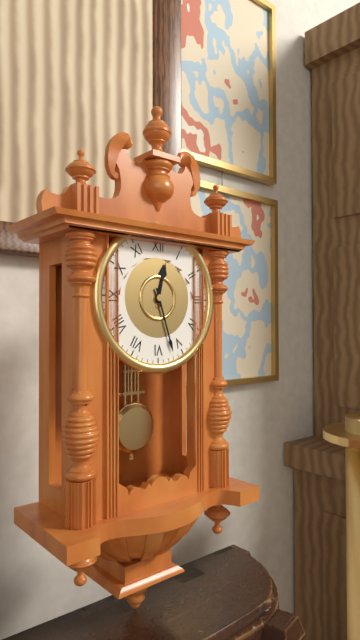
h=12 m=27
